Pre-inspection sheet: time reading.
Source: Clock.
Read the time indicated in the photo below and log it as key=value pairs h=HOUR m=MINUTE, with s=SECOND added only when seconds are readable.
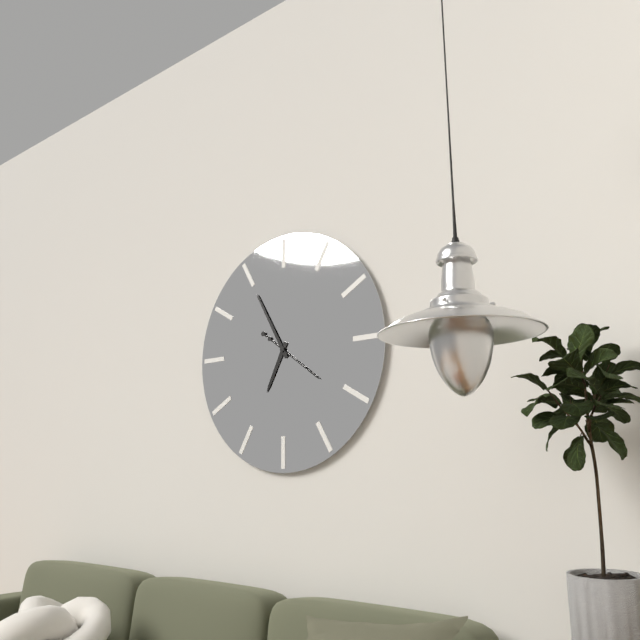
h=6 m=55 s=21
